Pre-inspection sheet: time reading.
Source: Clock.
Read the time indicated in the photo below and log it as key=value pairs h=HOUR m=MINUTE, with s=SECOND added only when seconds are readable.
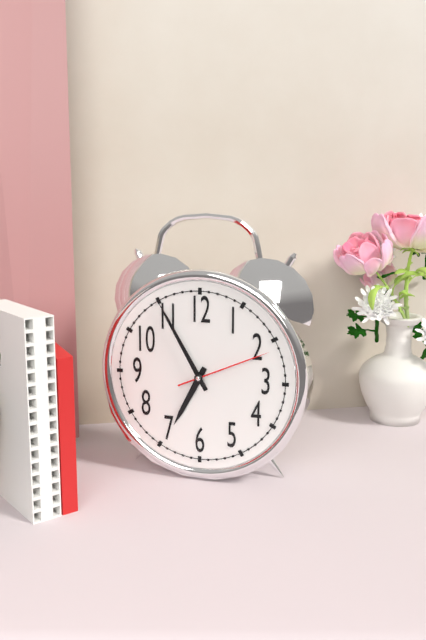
h=6 m=55 s=11
